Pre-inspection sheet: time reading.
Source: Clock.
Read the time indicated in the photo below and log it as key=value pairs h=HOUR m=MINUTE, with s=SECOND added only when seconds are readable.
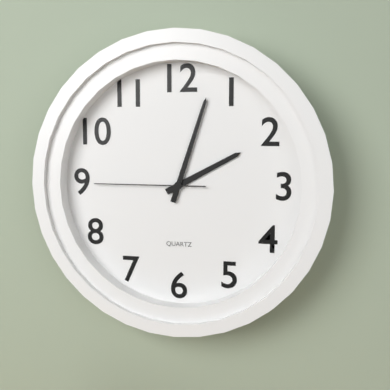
h=2 m=3 s=45
